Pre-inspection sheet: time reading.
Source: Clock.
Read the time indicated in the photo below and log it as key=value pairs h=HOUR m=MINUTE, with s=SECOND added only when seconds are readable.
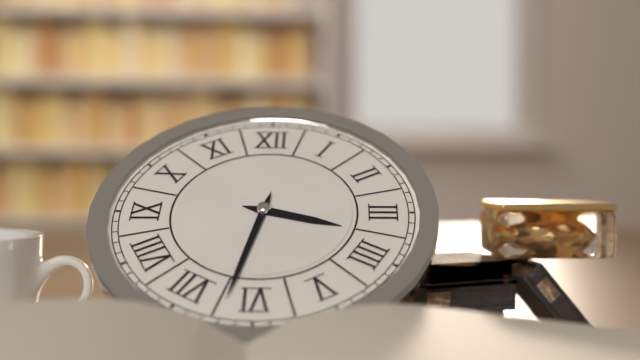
h=3 m=32
